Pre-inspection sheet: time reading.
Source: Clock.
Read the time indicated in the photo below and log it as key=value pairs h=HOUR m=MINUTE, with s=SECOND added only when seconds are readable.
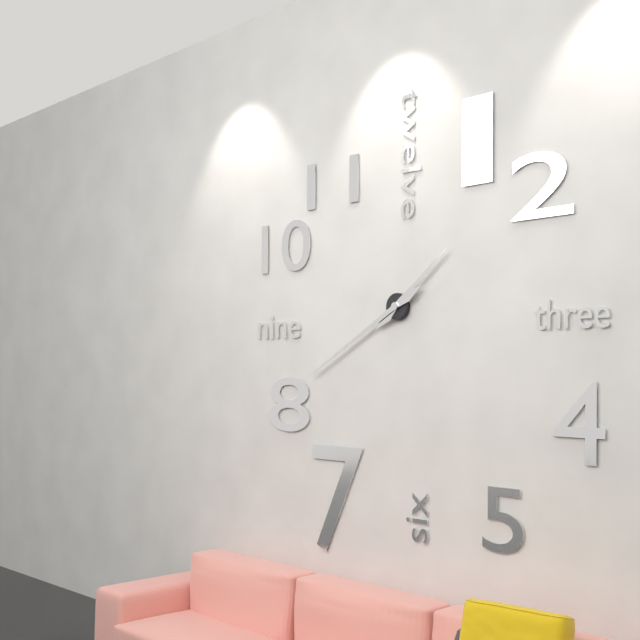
h=1 m=40
